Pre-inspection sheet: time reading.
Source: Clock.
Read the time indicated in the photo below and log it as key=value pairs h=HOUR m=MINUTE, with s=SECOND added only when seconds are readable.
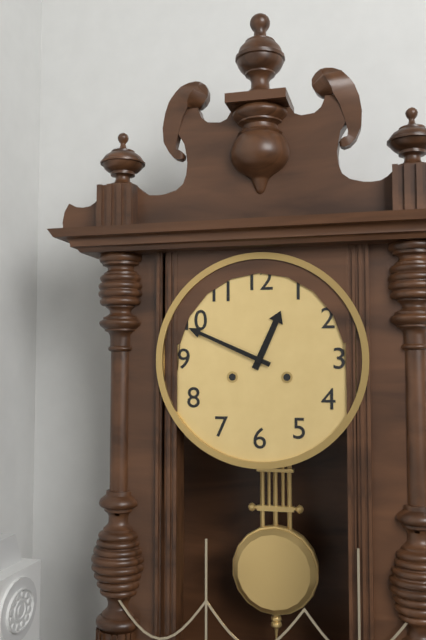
h=12 m=49
